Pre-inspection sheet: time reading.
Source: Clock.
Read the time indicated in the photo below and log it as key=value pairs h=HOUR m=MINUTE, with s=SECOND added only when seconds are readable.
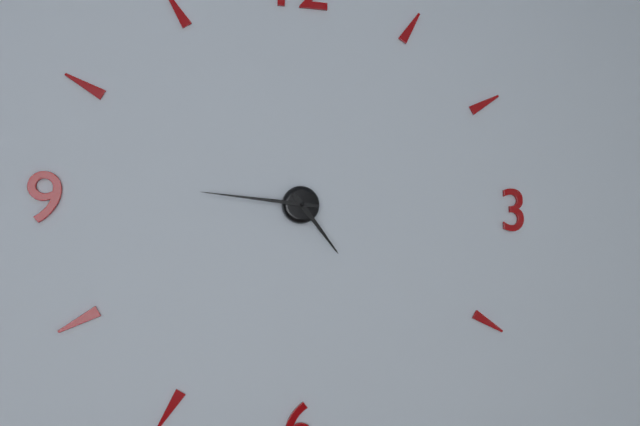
h=4 m=46
